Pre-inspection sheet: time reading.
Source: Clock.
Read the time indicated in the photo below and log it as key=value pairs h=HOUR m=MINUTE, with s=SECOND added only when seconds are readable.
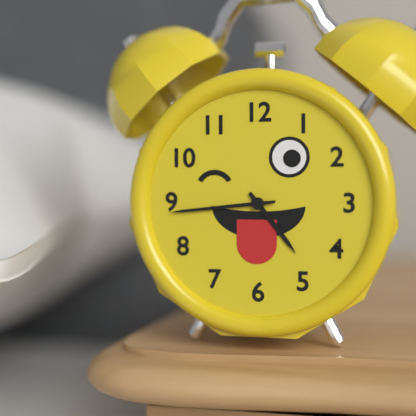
h=4 m=44
